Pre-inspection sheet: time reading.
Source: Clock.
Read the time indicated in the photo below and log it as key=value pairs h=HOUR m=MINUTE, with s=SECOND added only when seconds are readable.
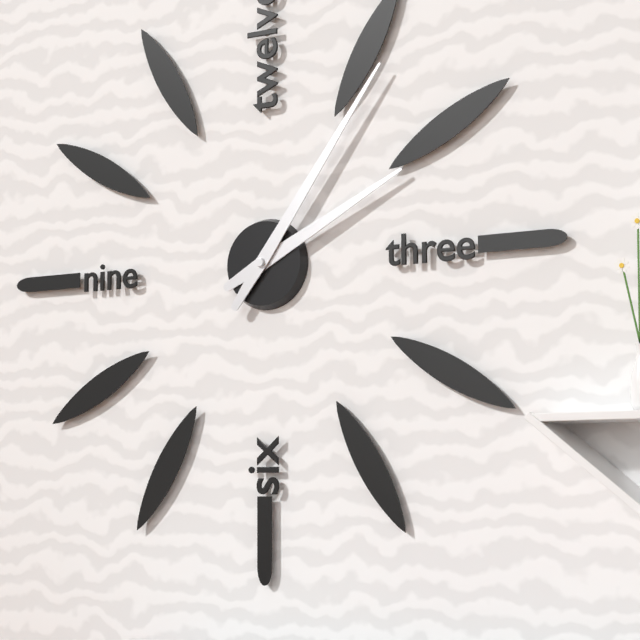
h=2 m=6
